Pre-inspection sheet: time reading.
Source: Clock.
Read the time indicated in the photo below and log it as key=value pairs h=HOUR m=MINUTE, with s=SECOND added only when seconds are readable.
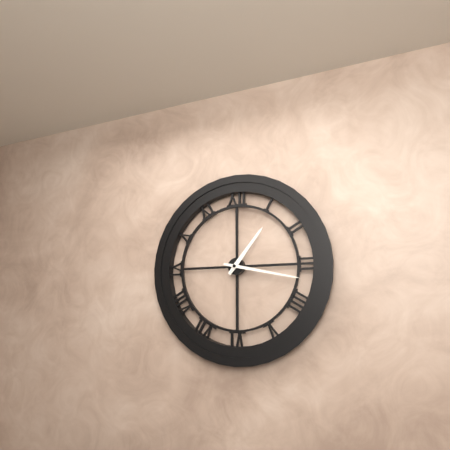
h=1 m=17
